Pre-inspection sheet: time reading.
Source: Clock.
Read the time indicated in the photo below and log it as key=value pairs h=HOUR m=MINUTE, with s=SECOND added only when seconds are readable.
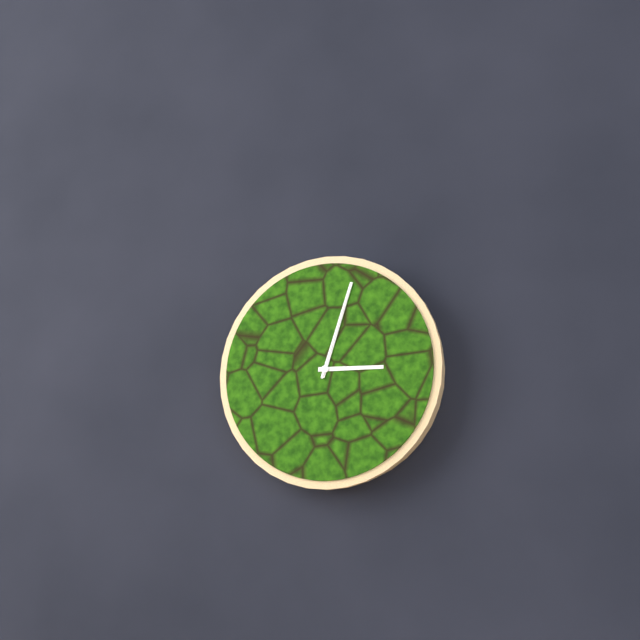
h=3 m=3 s=3
